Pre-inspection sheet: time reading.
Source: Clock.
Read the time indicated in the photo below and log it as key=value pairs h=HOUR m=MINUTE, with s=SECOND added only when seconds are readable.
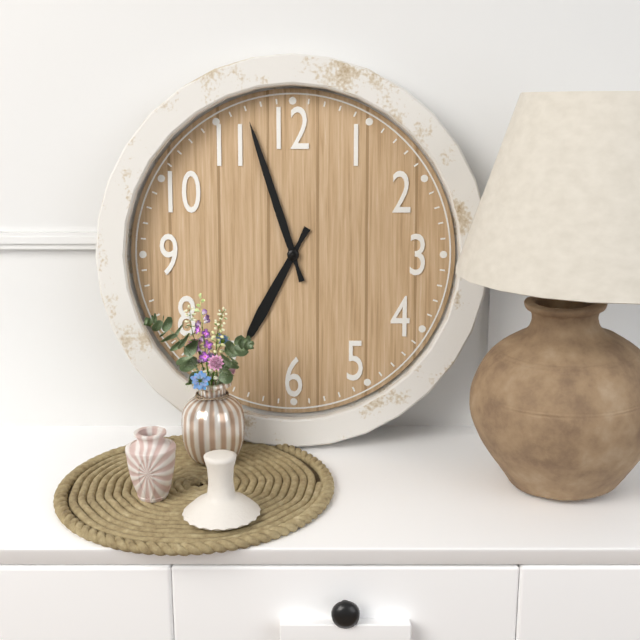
h=6 m=57
